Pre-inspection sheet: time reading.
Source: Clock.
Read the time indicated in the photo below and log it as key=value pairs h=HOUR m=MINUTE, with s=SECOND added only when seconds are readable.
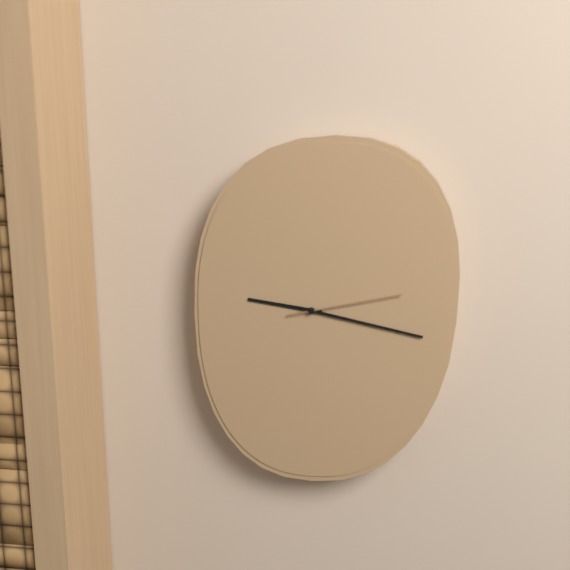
h=9 m=17 s=13
